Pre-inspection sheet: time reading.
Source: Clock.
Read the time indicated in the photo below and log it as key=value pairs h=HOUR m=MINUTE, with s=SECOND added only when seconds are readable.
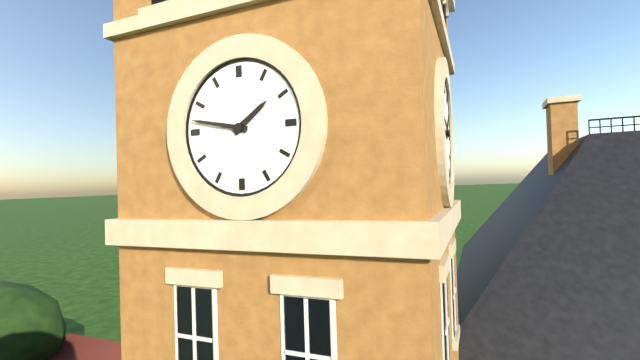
h=1 m=47
